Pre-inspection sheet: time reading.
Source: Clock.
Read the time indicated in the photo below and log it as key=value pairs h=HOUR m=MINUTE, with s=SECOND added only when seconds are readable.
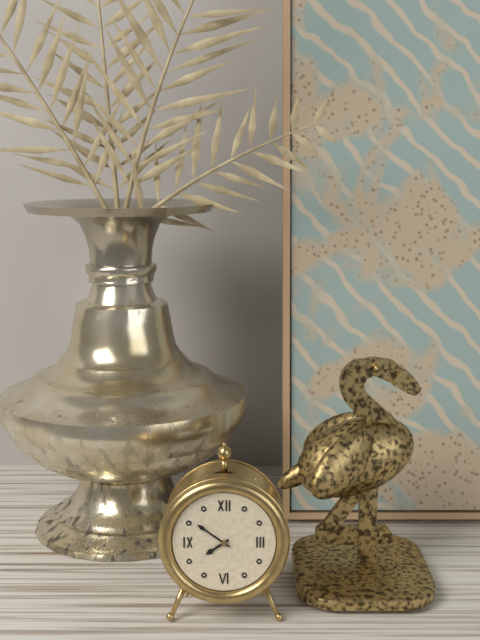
h=7 m=51
